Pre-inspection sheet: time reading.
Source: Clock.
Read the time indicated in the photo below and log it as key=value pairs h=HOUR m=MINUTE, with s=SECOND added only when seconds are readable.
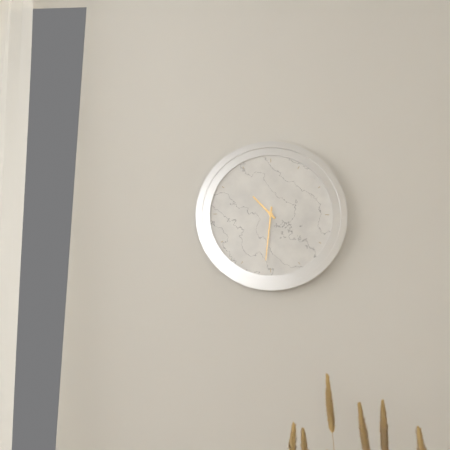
h=10 m=31
